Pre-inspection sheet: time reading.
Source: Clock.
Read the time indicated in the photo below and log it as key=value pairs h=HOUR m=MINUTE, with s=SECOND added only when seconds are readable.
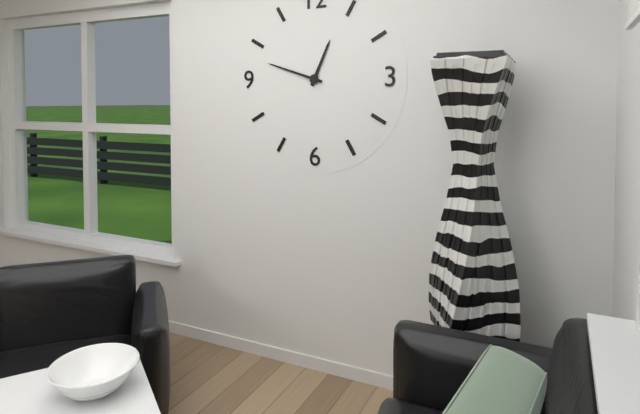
h=12 m=48
